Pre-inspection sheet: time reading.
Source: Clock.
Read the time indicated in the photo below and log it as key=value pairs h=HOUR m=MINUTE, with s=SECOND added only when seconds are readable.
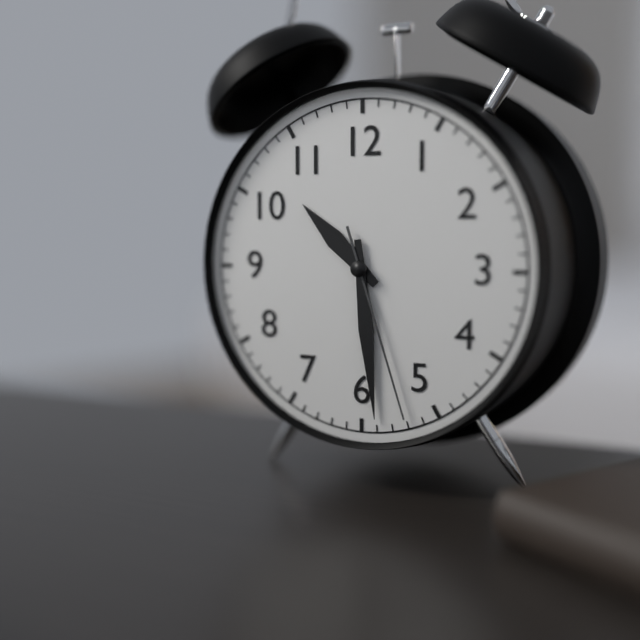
h=10 m=29 s=27
